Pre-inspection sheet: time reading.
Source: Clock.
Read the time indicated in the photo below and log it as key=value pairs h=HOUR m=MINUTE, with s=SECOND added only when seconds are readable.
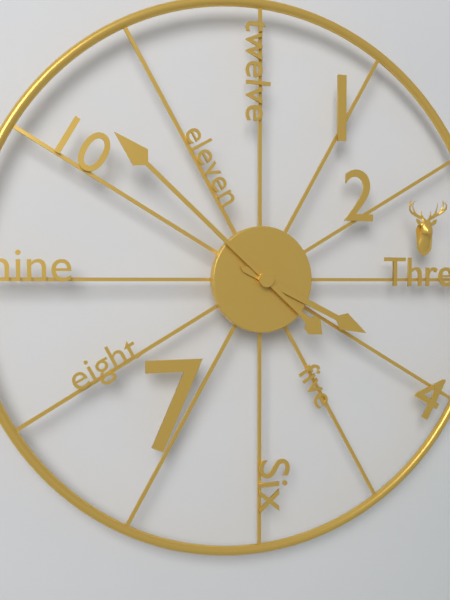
h=3 m=52
